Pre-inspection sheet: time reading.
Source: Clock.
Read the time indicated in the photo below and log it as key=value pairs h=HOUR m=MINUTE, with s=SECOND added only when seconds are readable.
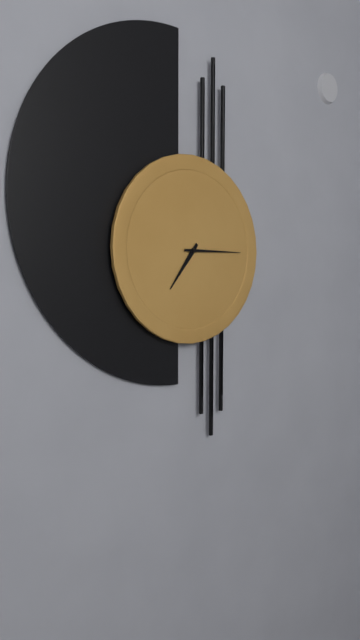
h=7 m=15
